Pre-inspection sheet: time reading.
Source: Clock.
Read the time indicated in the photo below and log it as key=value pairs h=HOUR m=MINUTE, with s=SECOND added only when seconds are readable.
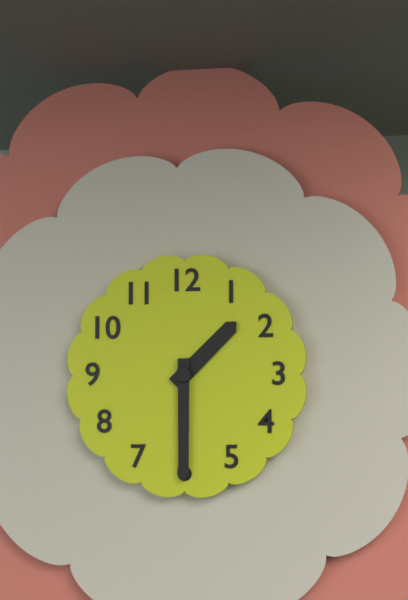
h=1 m=30
